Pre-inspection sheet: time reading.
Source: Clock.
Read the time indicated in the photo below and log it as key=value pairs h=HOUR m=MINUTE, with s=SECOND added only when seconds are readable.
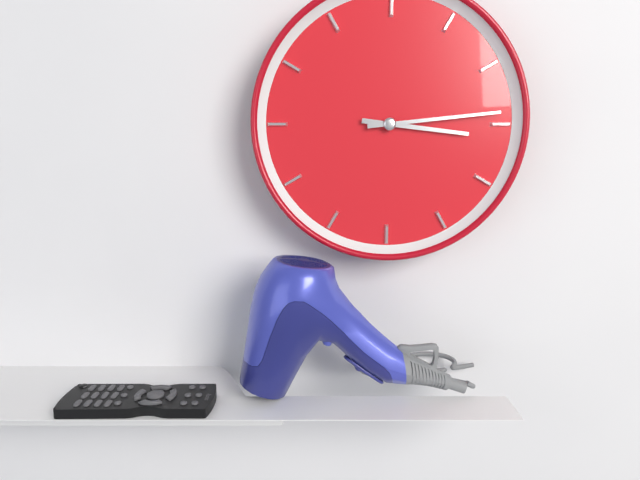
h=3 m=14
